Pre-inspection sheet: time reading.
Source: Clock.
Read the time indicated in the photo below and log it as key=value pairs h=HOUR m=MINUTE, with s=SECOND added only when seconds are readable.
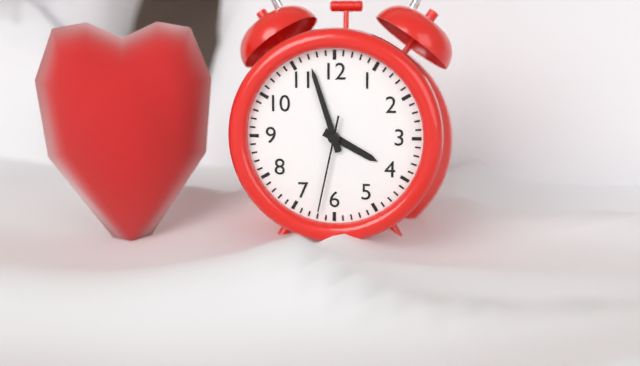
h=3 m=57 s=32
